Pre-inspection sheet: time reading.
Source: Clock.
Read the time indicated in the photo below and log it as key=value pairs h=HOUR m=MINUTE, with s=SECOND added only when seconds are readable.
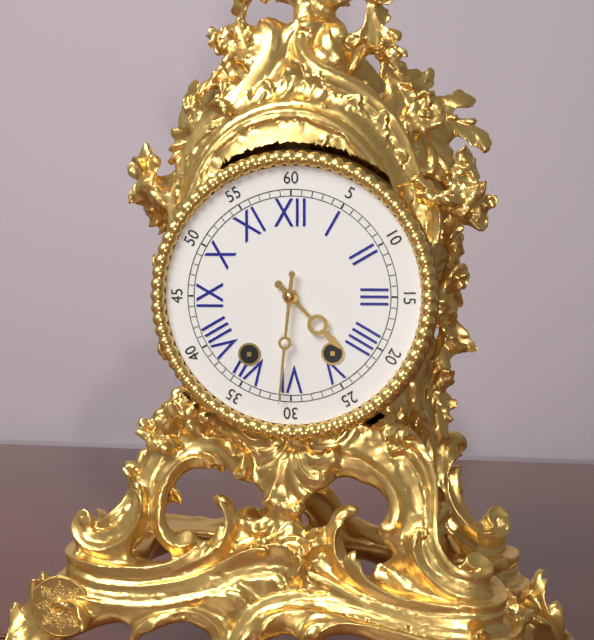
h=4 m=31
